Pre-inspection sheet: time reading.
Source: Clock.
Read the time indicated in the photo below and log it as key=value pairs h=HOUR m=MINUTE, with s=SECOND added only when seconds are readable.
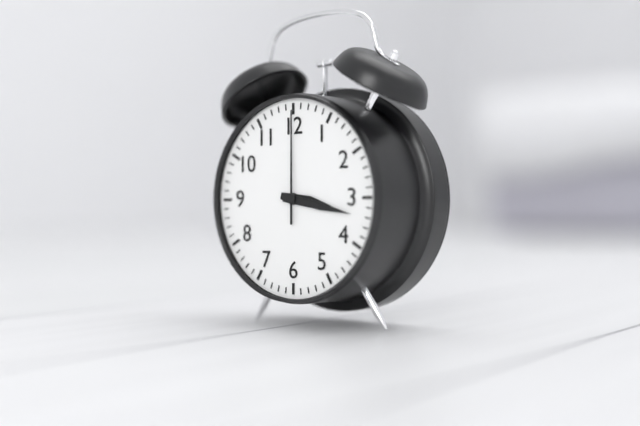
h=3 m=17 s=0
